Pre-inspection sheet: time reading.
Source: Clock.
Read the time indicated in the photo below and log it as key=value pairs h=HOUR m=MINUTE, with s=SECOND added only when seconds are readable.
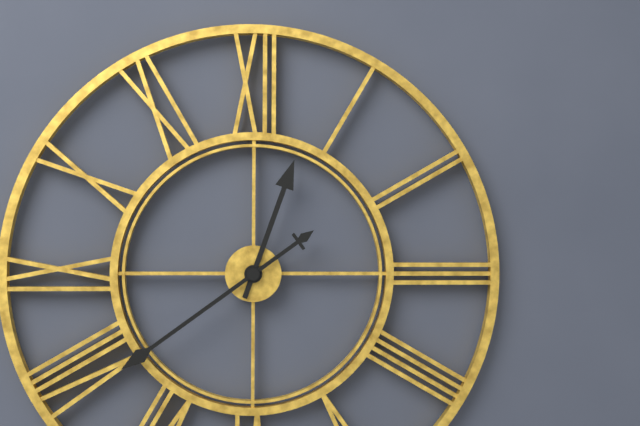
h=12 m=39
